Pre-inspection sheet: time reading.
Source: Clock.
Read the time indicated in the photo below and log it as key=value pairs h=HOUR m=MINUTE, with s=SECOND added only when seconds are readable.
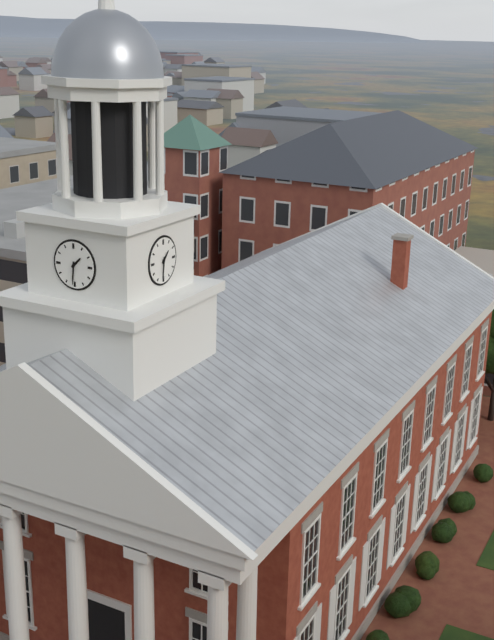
h=1 m=31
